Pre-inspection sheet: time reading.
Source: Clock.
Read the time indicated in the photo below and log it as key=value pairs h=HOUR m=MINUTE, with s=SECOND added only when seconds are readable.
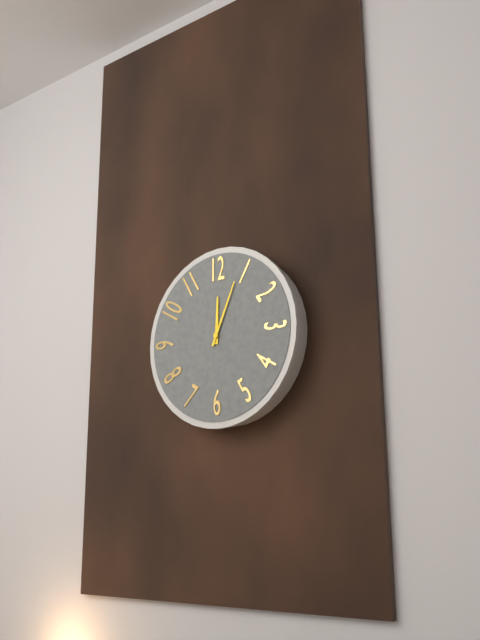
h=12 m=4
